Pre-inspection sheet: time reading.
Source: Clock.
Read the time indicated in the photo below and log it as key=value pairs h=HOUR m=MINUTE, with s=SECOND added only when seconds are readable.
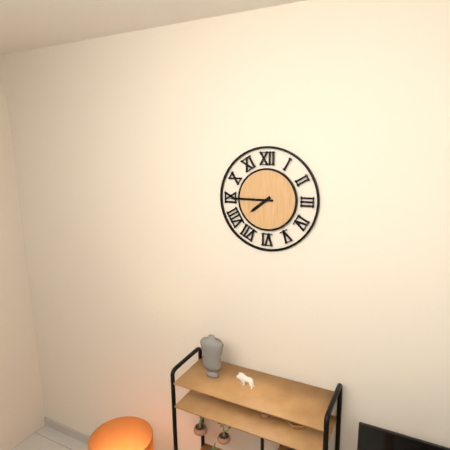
h=7 m=45
